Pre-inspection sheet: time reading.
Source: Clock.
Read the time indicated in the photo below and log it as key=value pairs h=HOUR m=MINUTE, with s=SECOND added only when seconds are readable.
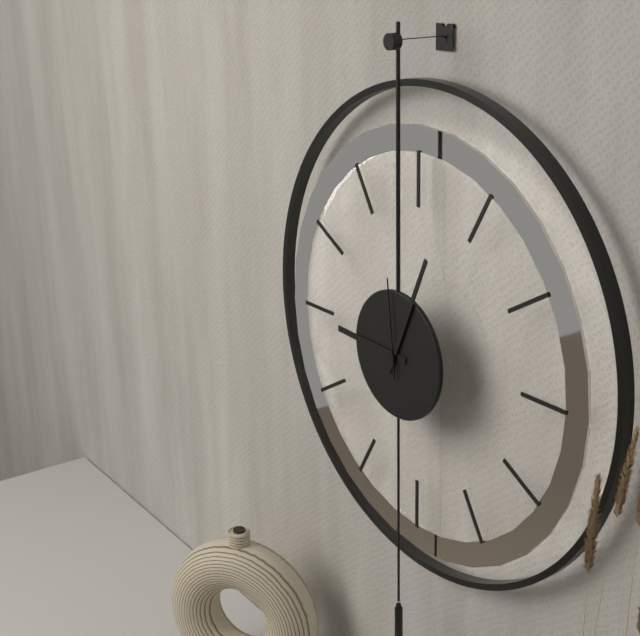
h=9 m=4 s=59
